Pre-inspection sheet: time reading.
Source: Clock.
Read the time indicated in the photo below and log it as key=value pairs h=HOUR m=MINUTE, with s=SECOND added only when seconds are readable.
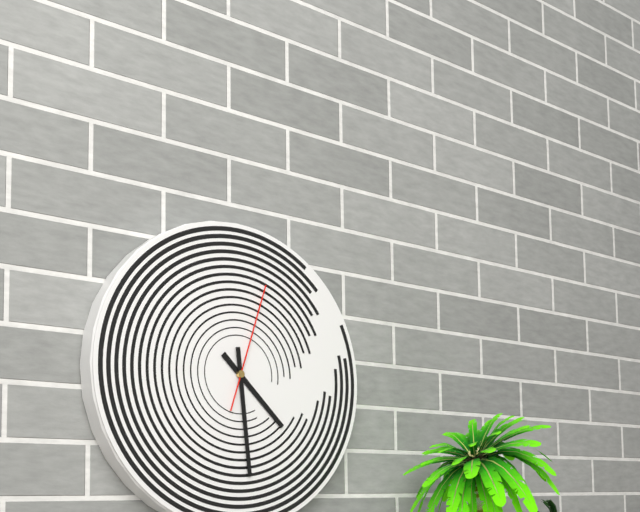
h=4 m=29 s=3
